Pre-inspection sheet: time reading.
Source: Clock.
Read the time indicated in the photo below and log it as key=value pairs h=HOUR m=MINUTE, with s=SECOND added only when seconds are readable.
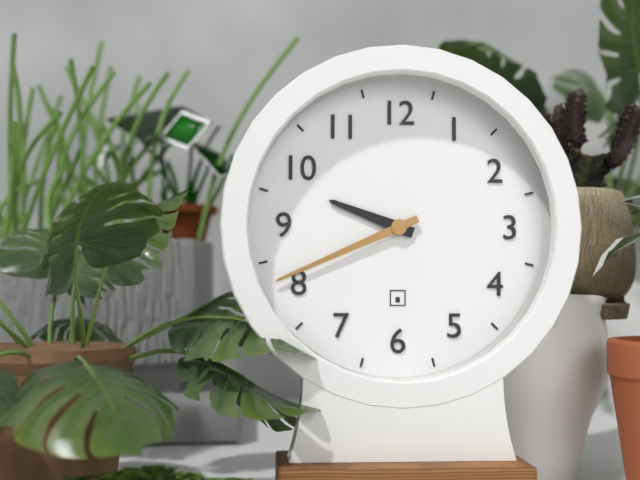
h=9 m=41
